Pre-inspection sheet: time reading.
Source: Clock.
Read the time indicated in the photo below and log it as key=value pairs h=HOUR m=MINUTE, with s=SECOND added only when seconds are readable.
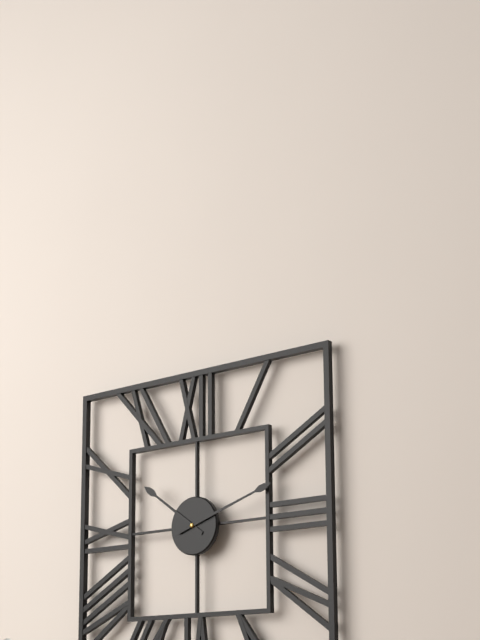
h=10 m=12
